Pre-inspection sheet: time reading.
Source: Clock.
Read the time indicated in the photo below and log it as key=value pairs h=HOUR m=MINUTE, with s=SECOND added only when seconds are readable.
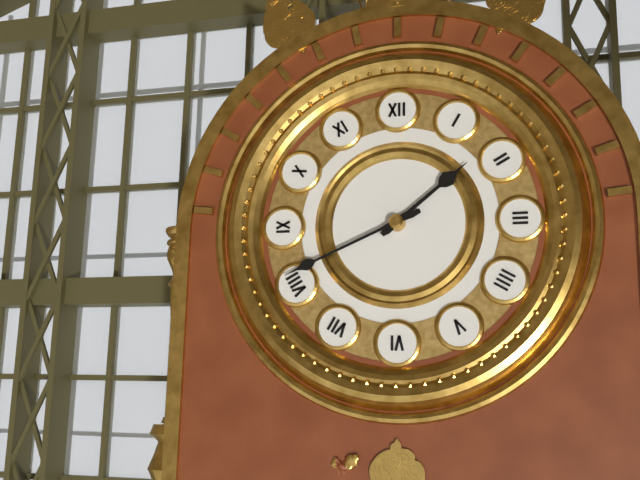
h=1 m=41
